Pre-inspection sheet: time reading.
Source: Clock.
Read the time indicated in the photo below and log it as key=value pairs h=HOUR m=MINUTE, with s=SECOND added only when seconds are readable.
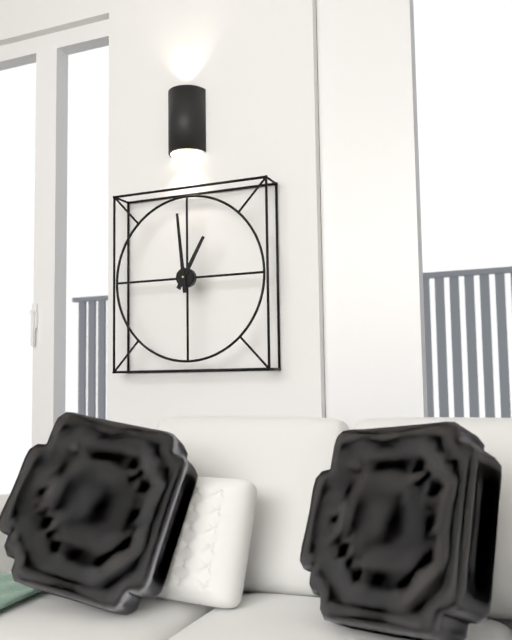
h=12 m=59
